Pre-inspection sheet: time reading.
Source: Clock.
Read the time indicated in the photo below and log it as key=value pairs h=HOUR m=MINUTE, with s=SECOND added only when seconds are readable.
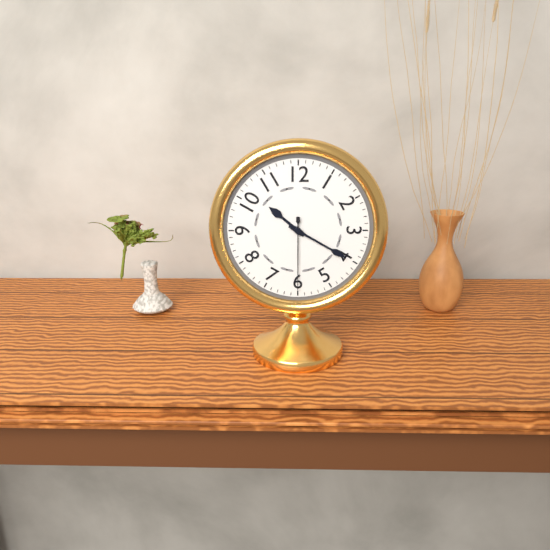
h=10 m=20 s=30
